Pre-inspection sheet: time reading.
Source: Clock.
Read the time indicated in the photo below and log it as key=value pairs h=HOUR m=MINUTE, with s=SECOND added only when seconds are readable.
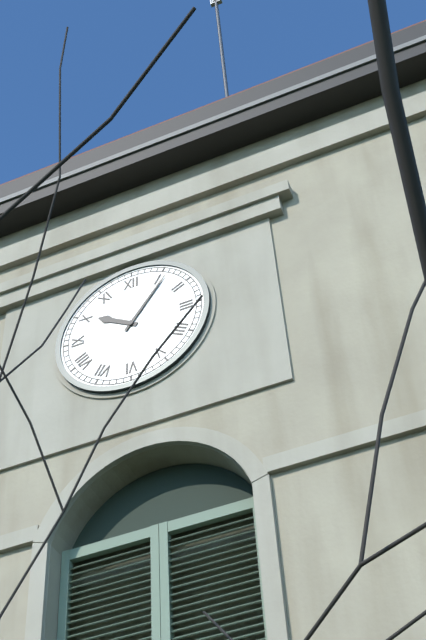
h=10 m=6
